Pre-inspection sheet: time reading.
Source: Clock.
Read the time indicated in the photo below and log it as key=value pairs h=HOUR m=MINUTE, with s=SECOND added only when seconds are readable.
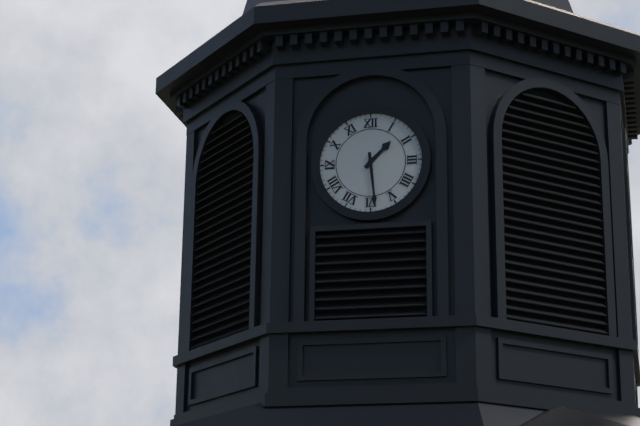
h=1 m=29
